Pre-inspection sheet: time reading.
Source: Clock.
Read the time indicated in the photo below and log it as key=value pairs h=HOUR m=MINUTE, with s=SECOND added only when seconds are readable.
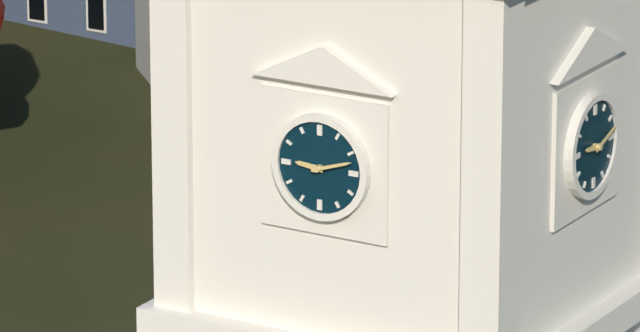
h=9 m=12
